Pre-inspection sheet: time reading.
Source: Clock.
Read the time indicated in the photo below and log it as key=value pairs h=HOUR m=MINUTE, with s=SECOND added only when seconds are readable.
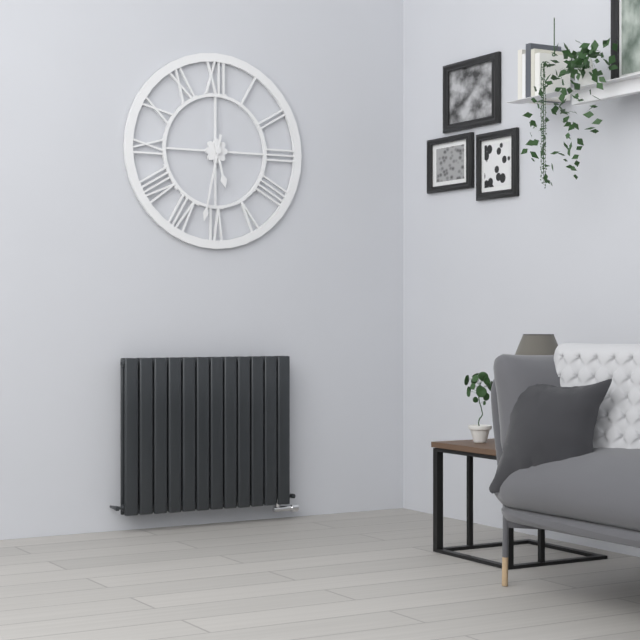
h=5 m=32
